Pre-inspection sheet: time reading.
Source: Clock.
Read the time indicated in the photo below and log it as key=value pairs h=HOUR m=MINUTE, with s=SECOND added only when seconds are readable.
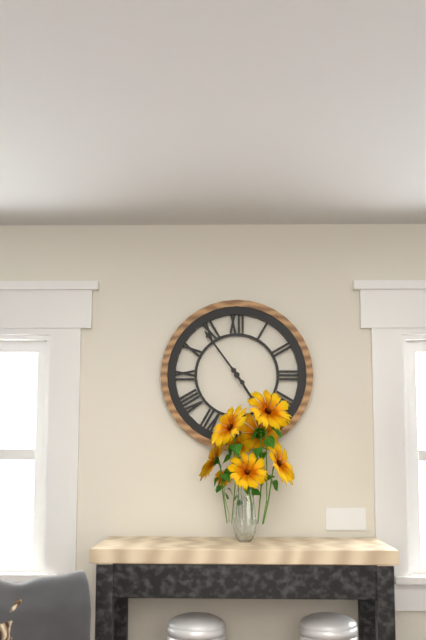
h=4 m=54
